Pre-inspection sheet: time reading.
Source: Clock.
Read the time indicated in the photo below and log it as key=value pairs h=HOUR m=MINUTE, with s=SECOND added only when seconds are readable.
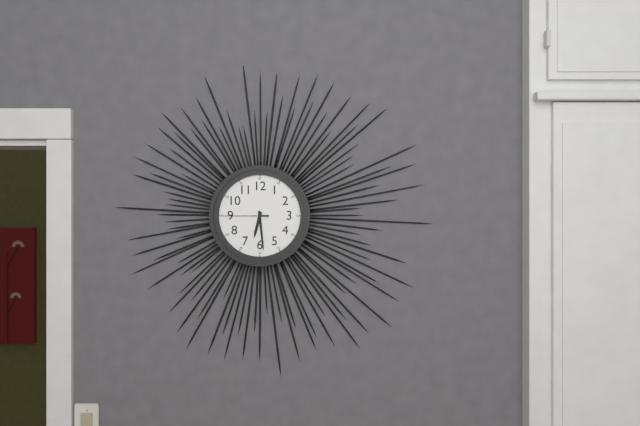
h=6 m=29
